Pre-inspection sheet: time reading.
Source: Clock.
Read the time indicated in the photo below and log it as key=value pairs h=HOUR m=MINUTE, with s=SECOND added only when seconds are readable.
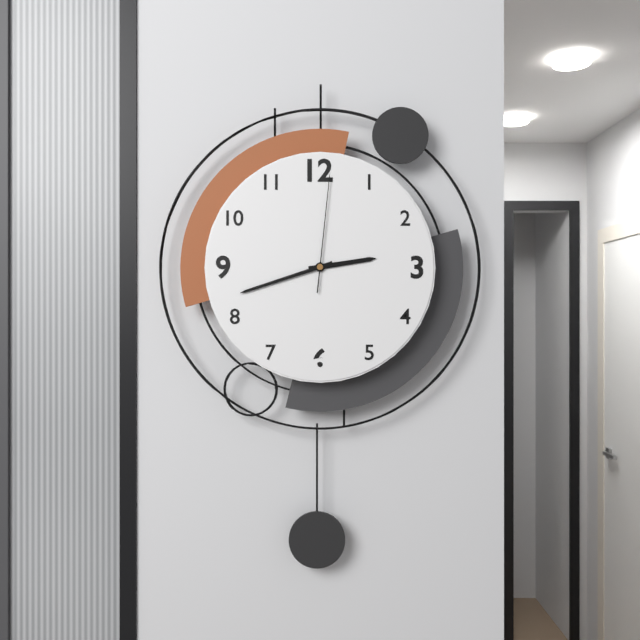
h=2 m=42 s=1
